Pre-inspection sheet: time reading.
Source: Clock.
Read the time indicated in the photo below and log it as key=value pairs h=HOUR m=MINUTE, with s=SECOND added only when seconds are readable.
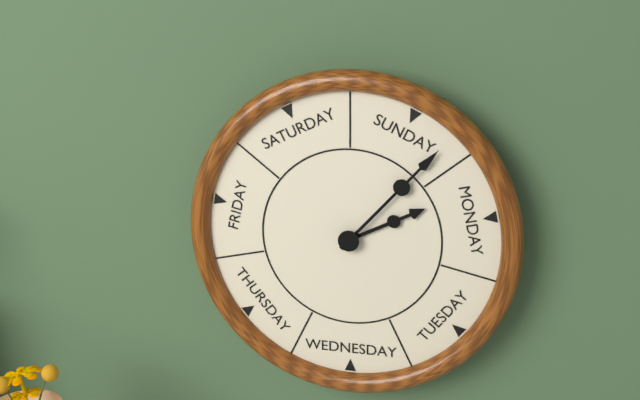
h=2 m=7
